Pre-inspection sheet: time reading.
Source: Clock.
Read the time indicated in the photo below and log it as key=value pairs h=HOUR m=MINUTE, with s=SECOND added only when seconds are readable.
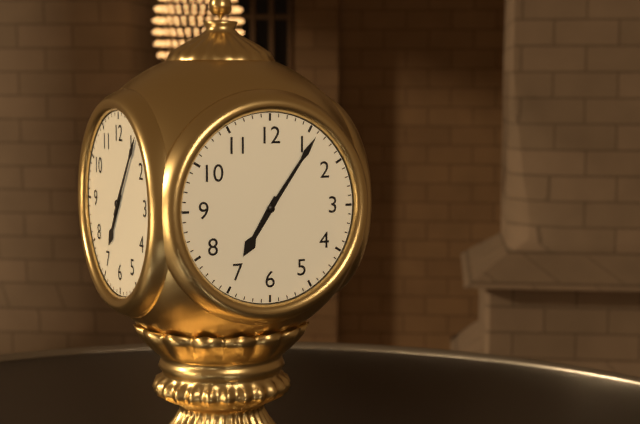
h=7 m=6
